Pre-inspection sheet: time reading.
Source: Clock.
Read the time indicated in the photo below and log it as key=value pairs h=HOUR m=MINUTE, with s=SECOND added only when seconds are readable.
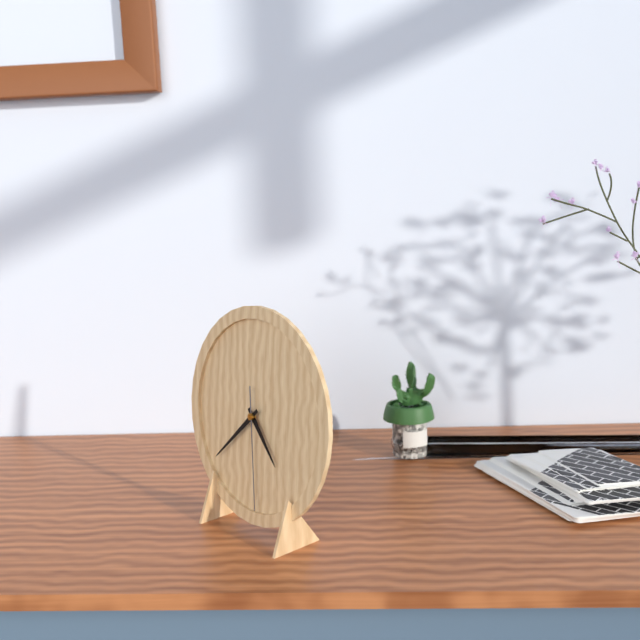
h=4 m=38 s=29
